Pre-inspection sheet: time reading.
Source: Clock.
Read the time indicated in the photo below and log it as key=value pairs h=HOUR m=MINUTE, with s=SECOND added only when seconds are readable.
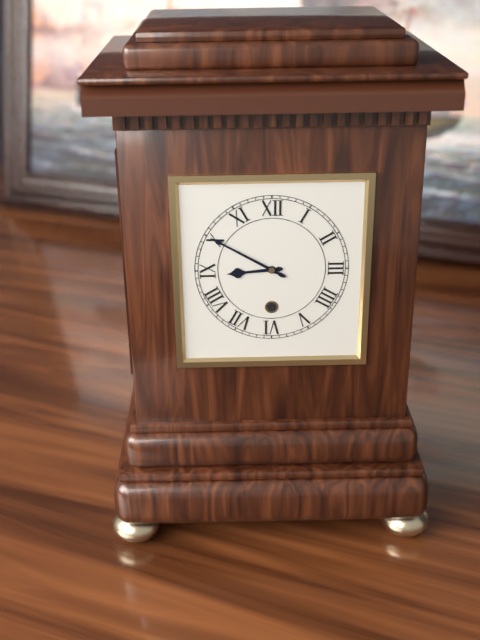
h=8 m=50
